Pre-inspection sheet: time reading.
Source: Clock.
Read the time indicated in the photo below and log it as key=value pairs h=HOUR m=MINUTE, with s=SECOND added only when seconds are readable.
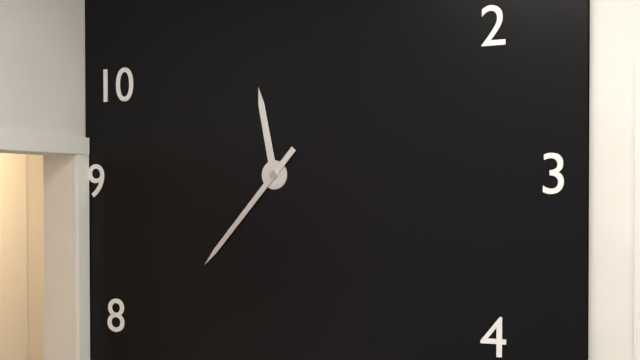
h=11 m=37
